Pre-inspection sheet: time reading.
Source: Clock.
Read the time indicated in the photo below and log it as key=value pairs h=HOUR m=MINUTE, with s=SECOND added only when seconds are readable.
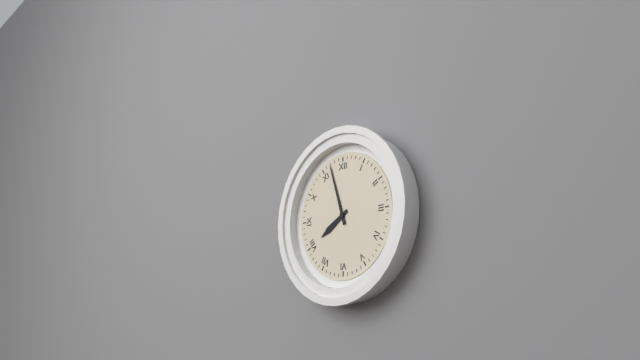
h=7 m=57
